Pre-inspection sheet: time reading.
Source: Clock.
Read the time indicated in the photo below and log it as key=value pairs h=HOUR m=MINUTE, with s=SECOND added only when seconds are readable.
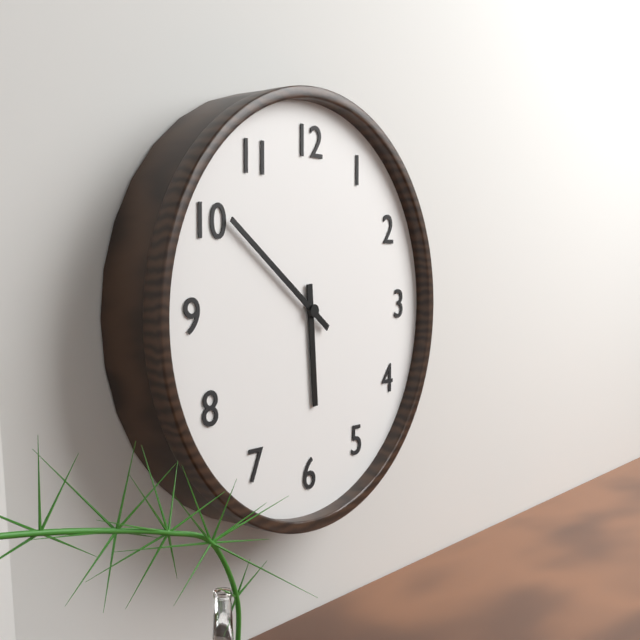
h=5 m=51
